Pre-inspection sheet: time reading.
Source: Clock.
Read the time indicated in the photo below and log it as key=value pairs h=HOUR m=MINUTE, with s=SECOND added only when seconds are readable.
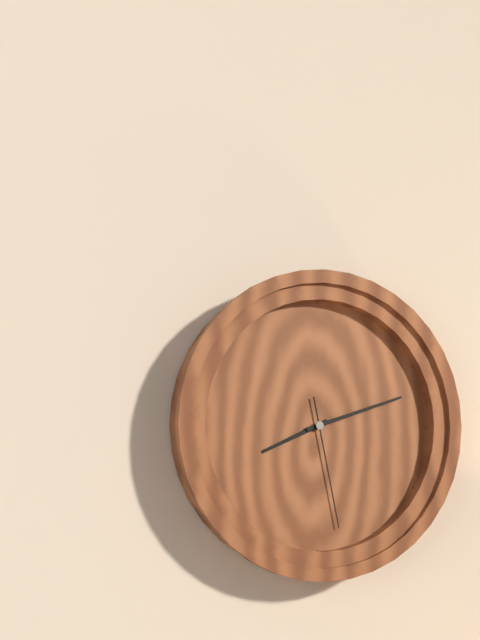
h=8 m=12 s=28
